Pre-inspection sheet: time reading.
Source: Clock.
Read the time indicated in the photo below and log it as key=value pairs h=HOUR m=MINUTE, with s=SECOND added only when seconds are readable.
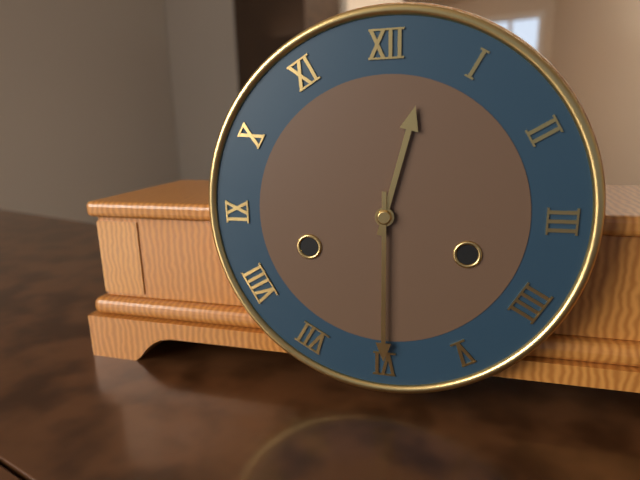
h=12 m=30
